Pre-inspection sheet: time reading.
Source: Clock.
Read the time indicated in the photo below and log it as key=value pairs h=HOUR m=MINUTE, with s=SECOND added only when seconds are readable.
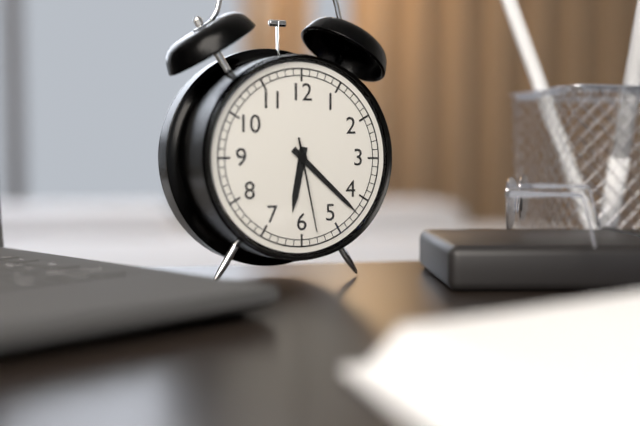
h=6 m=22 s=28
